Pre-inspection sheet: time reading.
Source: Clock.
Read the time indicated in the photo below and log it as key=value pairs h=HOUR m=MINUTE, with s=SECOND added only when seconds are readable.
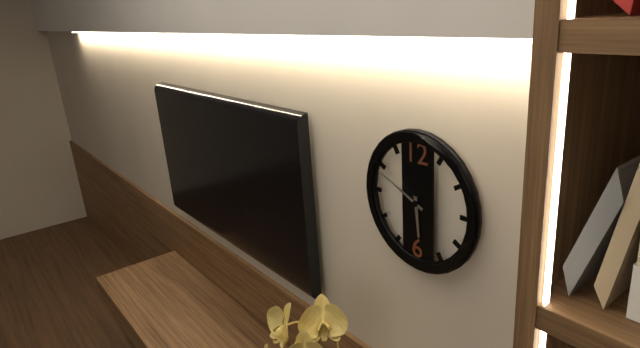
h=5 m=49
